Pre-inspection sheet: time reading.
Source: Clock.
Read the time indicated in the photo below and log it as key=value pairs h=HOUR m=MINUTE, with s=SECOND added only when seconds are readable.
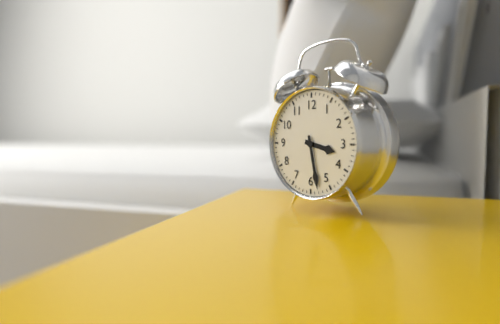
h=3 m=28
